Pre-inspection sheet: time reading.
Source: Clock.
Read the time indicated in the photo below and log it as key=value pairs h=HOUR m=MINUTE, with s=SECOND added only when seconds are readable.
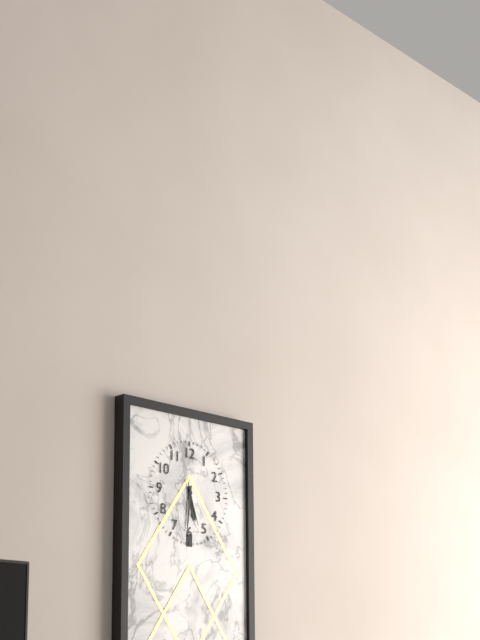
h=5 m=31
